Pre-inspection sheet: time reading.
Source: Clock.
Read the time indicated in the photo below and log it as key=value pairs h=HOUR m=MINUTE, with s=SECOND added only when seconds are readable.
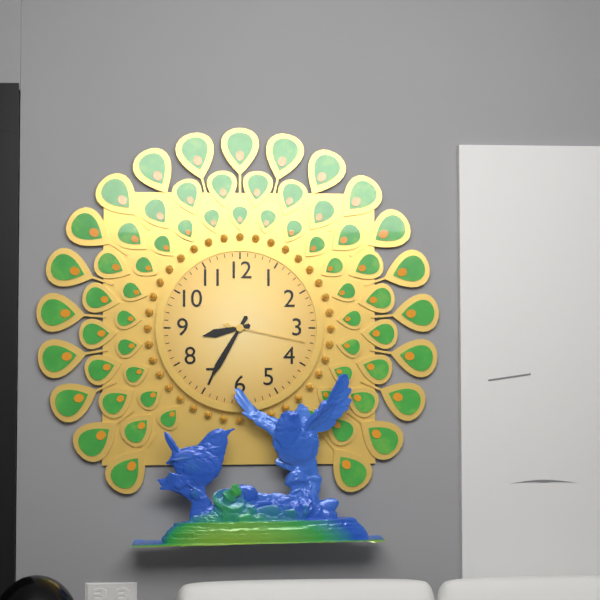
h=8 m=35 s=17
